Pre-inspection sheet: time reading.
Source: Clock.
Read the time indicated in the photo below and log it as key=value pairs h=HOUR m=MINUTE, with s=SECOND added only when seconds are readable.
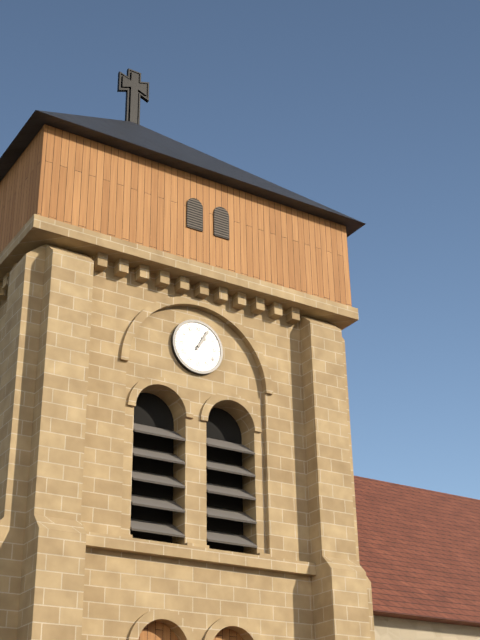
h=1 m=5
